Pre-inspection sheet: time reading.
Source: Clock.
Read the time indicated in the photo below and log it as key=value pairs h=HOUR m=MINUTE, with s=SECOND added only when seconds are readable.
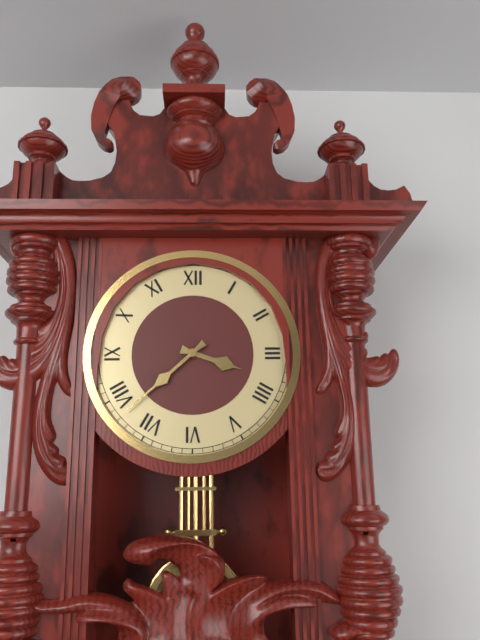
h=3 m=38
